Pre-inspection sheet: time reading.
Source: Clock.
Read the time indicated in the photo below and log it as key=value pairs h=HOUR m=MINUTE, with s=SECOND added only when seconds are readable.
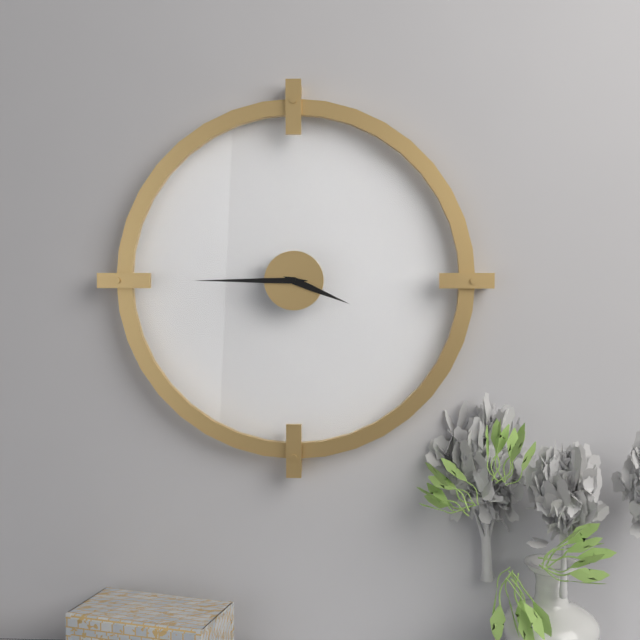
h=3 m=45
